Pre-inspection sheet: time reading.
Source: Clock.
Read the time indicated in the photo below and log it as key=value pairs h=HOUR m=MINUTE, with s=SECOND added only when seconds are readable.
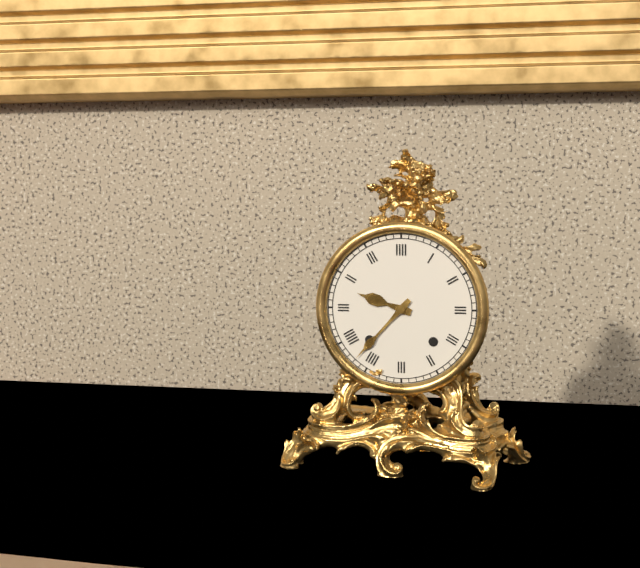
h=9 m=37
